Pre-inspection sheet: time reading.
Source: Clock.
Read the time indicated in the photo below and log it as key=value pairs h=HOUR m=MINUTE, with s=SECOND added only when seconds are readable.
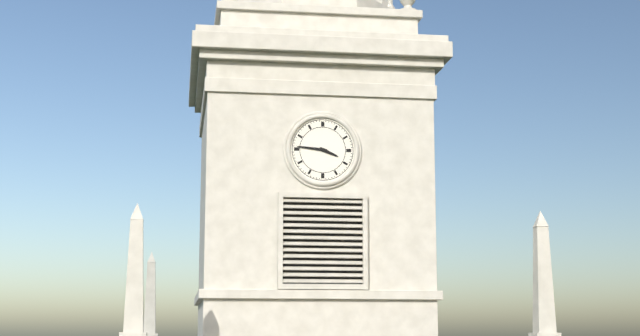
h=3 m=46
